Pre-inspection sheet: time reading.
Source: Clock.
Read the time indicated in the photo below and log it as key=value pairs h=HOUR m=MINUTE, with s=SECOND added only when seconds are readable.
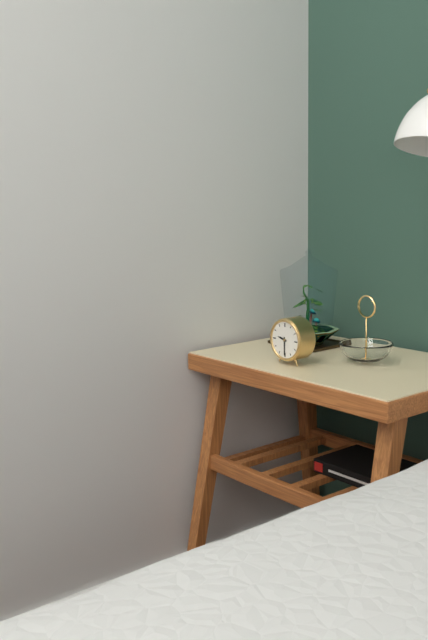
h=9 m=30
